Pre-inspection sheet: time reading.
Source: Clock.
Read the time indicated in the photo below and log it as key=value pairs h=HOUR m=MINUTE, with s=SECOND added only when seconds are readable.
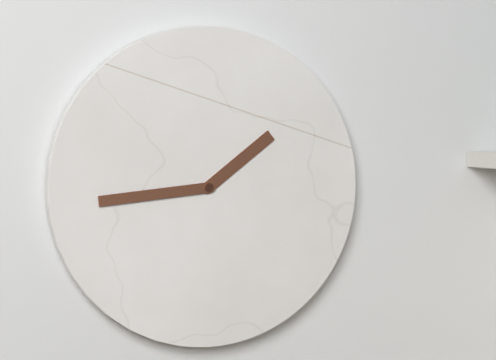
h=1 m=44
